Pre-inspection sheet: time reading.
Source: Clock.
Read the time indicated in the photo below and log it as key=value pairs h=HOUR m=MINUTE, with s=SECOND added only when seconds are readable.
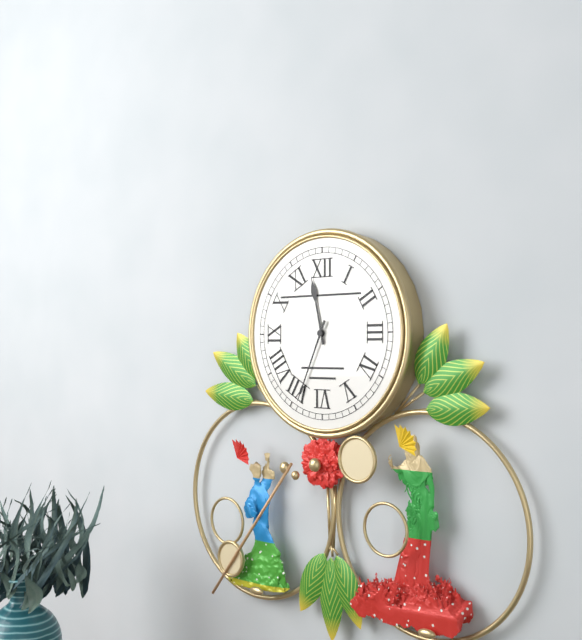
h=11 m=34
